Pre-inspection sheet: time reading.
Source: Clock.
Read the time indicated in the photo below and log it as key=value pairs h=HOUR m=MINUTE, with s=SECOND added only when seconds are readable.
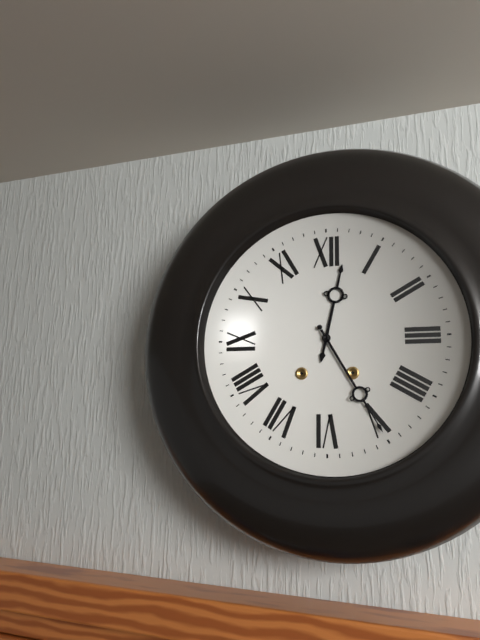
h=12 m=25
